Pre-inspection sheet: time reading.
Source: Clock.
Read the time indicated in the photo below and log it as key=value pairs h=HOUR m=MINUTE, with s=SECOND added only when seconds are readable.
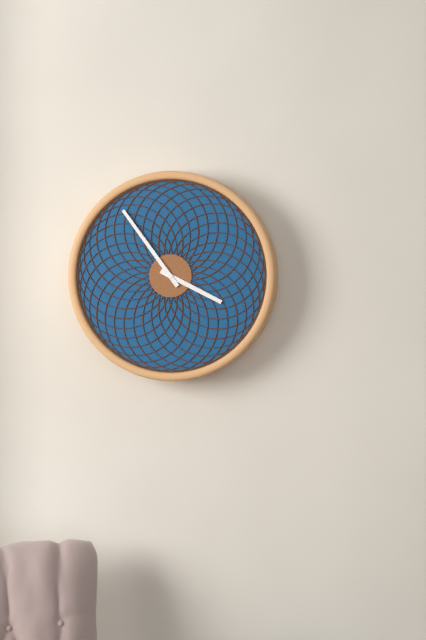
h=3 m=54
